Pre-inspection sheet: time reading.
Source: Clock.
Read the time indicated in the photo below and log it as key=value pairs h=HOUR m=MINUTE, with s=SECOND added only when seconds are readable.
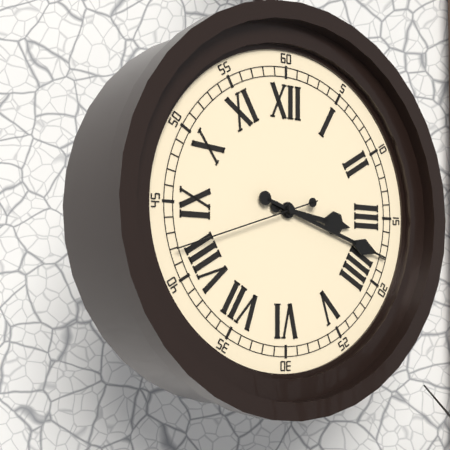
h=3 m=18 s=42
